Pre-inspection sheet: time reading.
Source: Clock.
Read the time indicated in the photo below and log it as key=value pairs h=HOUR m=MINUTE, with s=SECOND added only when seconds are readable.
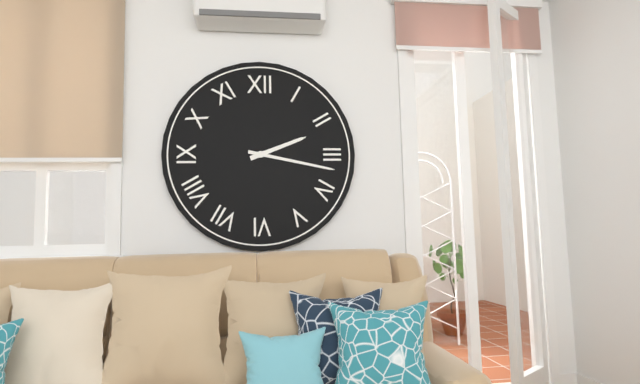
h=2 m=17
